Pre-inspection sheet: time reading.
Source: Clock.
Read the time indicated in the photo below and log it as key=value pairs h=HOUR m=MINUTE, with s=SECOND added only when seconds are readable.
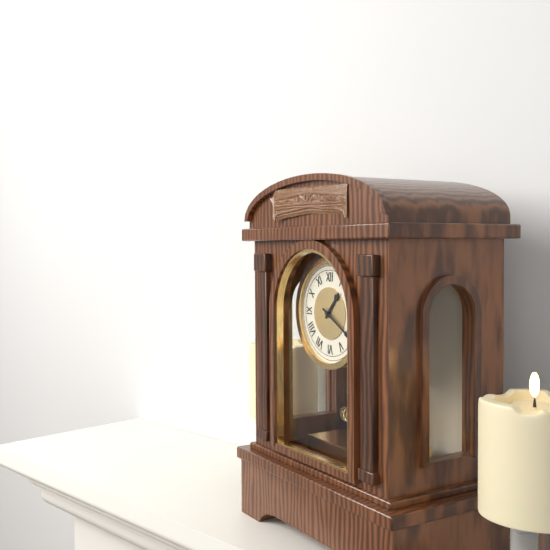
h=1 m=20
